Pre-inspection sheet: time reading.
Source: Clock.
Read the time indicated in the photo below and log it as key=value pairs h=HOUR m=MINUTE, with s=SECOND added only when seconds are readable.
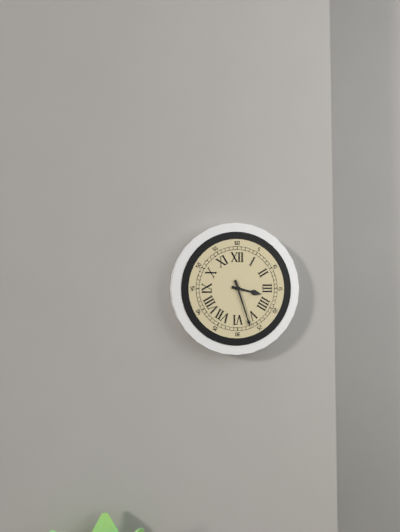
h=3 m=27
